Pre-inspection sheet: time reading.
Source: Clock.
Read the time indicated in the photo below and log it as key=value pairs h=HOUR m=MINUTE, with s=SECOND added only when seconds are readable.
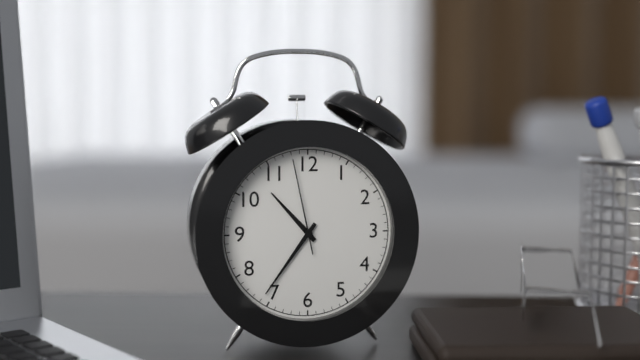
h=10 m=36 s=58
